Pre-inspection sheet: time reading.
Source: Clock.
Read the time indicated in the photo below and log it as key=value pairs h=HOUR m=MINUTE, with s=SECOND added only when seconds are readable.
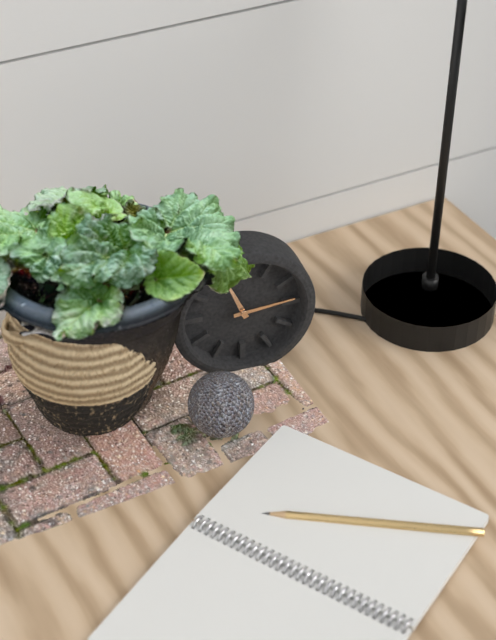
h=11 m=14
